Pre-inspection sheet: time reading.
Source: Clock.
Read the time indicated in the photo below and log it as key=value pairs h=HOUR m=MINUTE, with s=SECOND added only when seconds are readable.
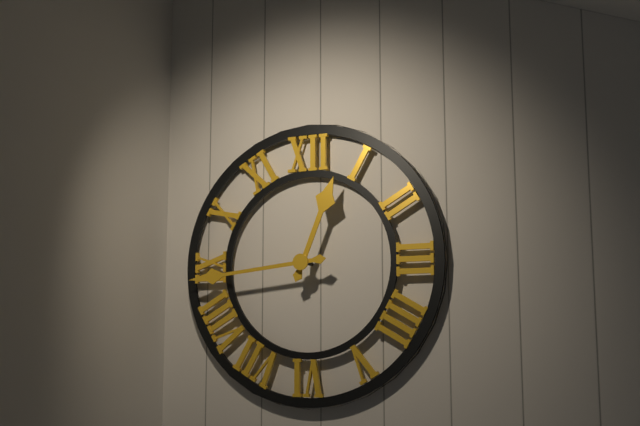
h=12 m=44
